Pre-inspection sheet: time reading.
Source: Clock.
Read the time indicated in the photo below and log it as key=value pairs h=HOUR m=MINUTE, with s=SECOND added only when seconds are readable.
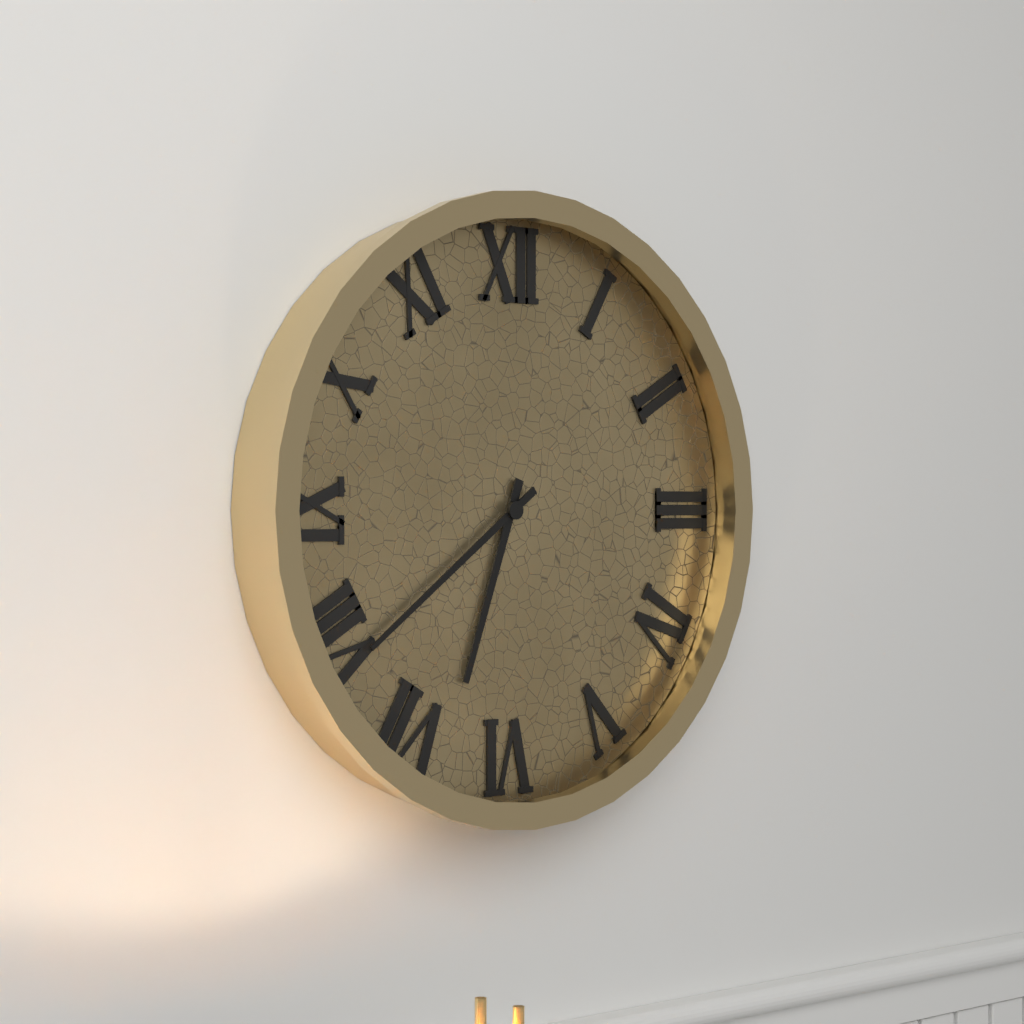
h=6 m=39
